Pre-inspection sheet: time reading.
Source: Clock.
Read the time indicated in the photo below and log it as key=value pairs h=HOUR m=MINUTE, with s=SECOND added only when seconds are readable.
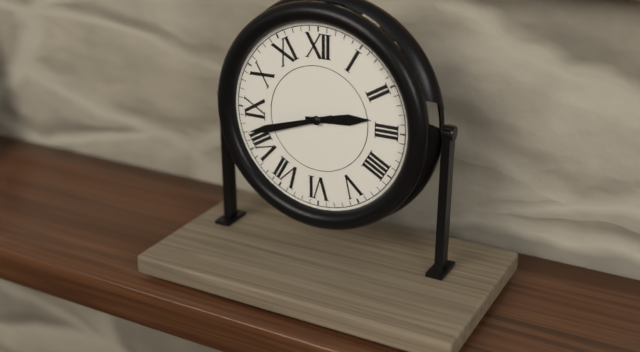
h=2 m=42
